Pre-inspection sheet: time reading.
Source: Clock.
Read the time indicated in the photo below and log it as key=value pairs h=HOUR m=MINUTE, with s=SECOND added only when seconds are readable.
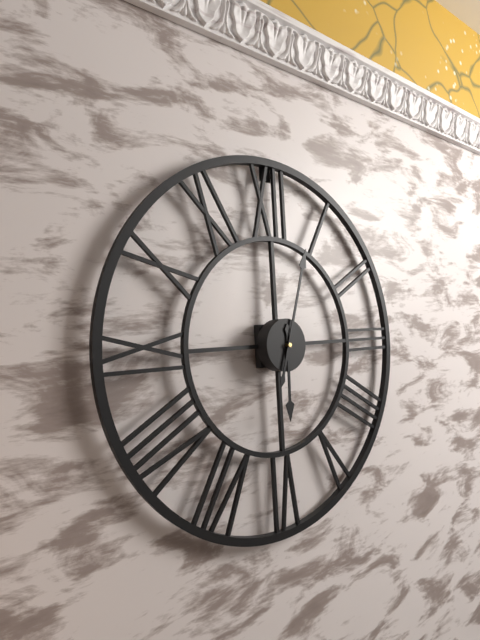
h=6 m=3
